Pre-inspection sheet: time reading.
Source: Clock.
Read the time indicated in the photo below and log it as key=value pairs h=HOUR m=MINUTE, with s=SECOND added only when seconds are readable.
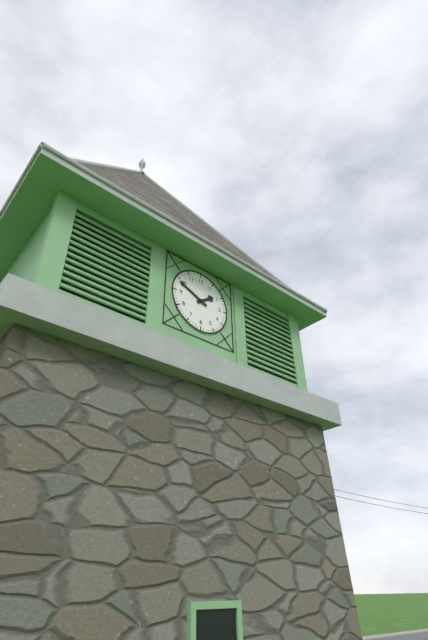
h=1 m=49
